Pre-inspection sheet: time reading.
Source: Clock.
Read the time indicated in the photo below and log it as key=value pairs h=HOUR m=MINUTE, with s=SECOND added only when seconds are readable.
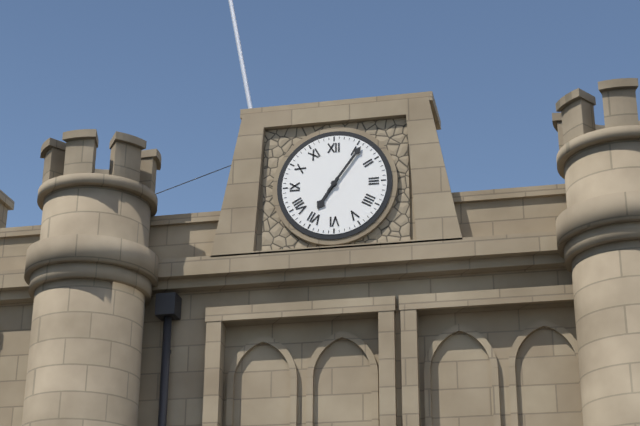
h=7 m=6
